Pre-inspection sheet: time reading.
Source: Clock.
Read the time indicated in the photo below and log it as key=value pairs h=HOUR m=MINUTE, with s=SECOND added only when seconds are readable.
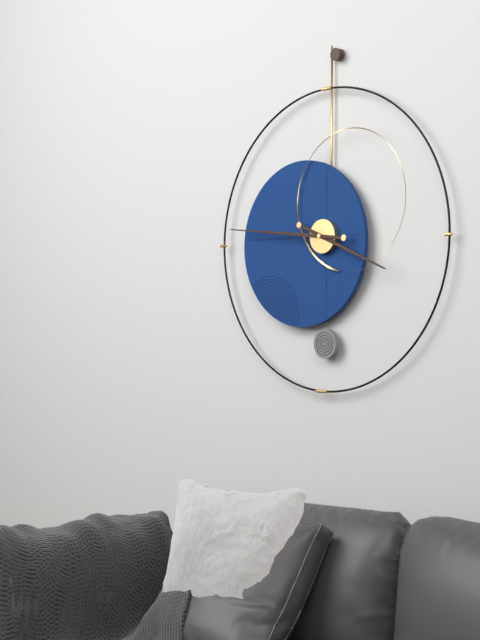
h=3 m=46
